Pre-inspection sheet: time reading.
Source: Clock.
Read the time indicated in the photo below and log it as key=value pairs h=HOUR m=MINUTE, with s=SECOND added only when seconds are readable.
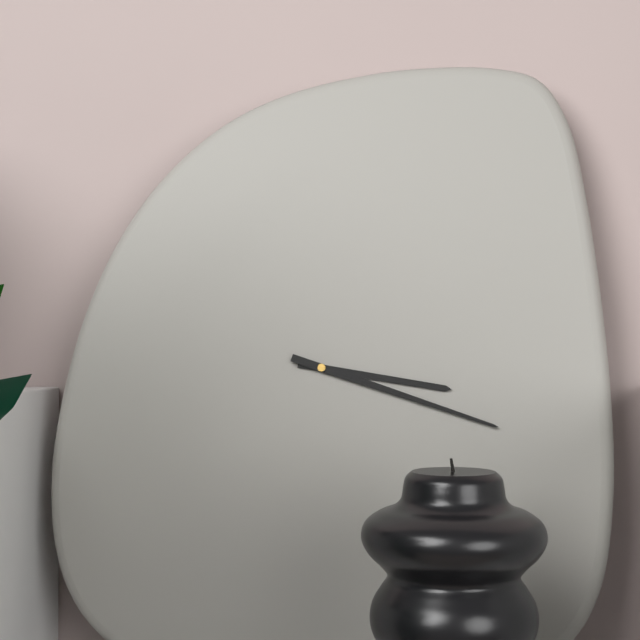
h=3 m=18
